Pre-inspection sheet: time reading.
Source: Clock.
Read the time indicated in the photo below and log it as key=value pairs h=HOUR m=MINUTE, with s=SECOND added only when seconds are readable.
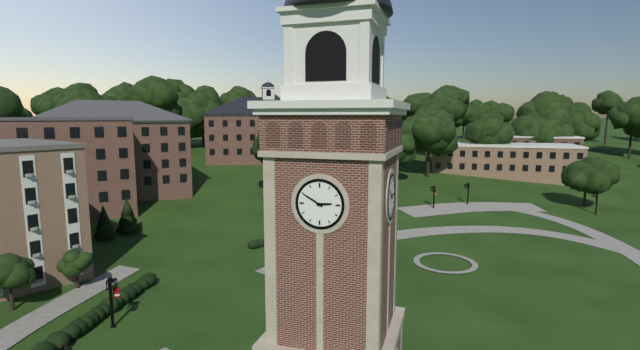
h=2 m=50
